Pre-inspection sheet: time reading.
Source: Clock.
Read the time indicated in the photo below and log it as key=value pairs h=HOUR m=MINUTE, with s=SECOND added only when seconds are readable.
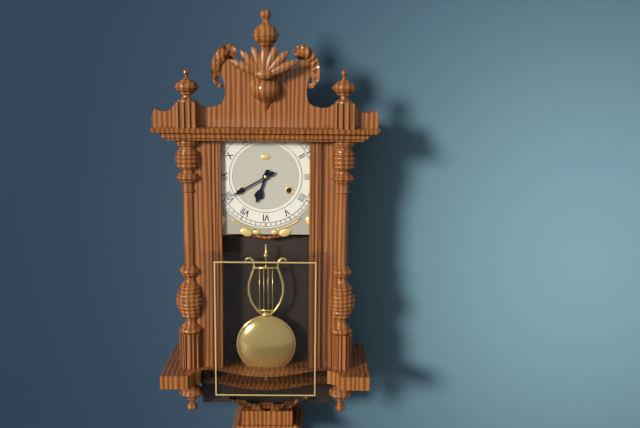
h=6 m=40
